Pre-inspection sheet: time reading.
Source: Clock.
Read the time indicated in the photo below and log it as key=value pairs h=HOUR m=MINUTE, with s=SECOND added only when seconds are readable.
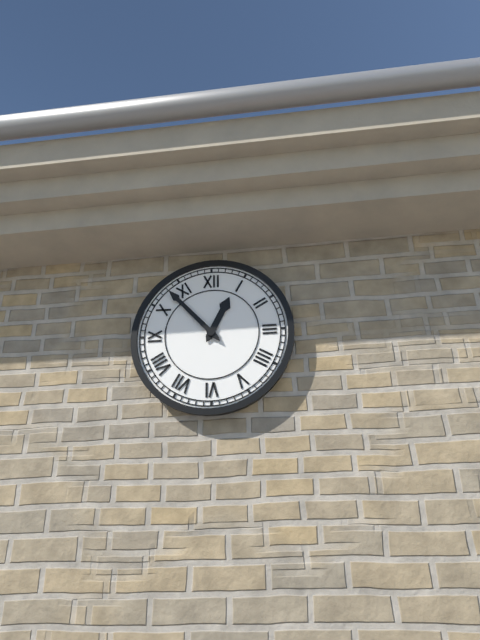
h=12 m=53
